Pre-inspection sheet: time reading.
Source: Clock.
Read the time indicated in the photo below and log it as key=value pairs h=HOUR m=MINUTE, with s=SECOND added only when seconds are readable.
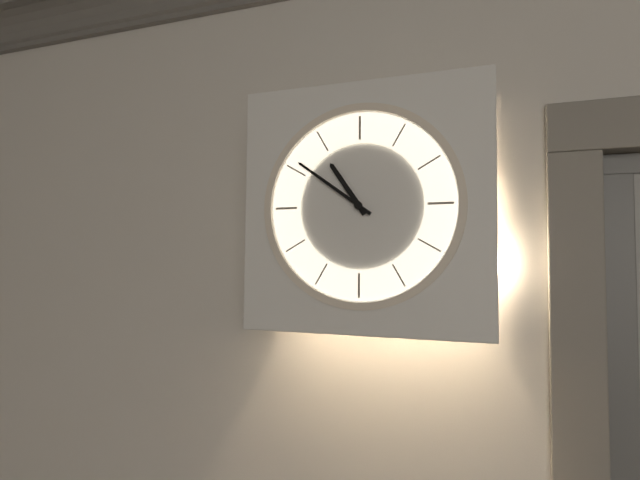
h=10 m=51
